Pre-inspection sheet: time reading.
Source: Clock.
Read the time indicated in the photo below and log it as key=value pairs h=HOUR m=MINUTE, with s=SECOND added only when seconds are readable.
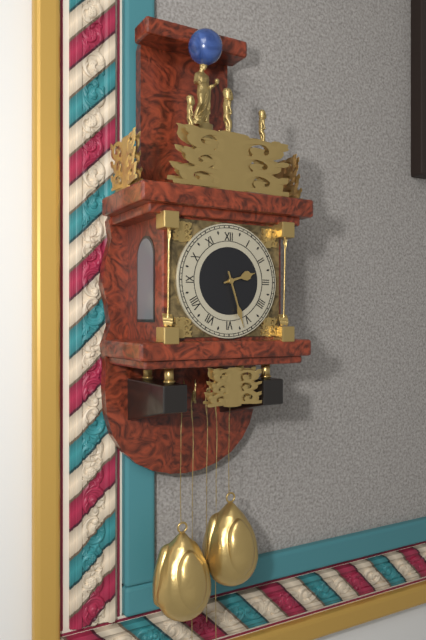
h=2 m=27
